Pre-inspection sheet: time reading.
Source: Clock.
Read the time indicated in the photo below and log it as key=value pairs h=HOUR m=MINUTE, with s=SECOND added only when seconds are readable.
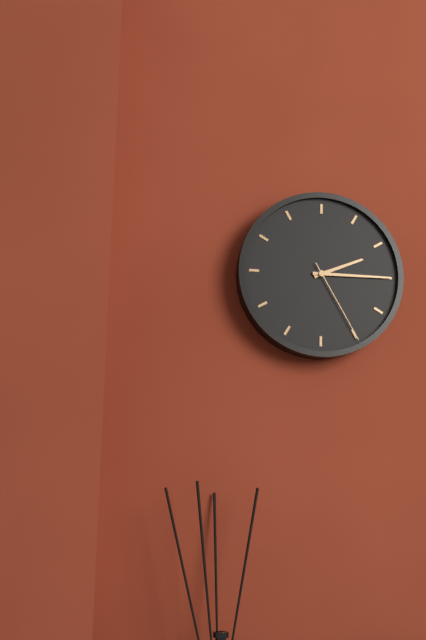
h=2 m=15 s=25
